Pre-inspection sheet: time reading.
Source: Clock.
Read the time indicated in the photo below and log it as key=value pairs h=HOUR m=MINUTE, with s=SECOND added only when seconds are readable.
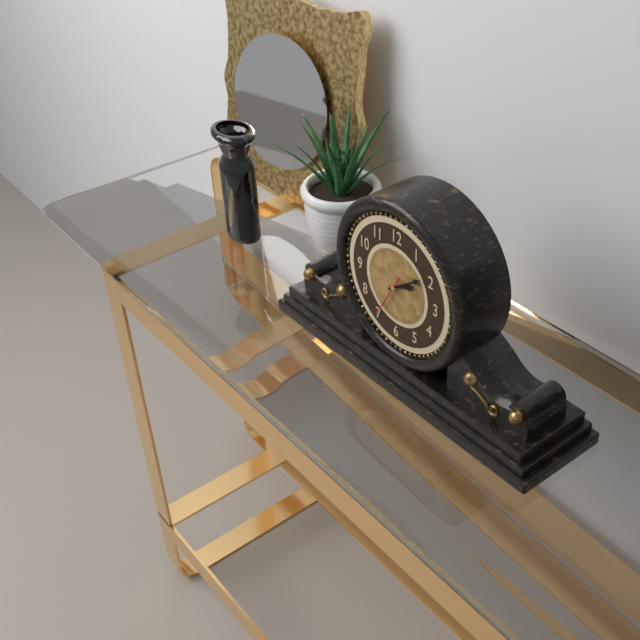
h=2 m=9
